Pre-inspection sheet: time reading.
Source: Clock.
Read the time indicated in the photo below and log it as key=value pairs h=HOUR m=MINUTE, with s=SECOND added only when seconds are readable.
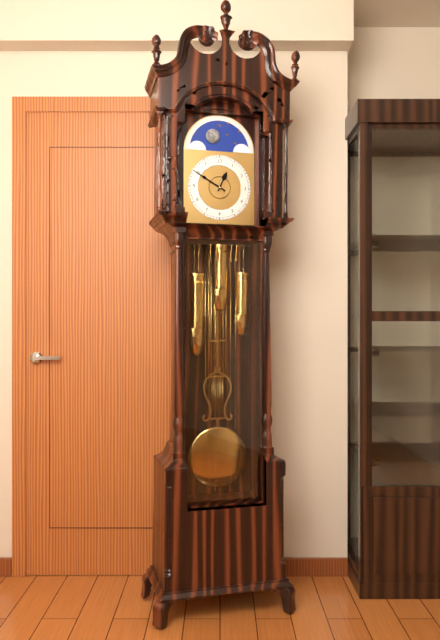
h=12 m=50
